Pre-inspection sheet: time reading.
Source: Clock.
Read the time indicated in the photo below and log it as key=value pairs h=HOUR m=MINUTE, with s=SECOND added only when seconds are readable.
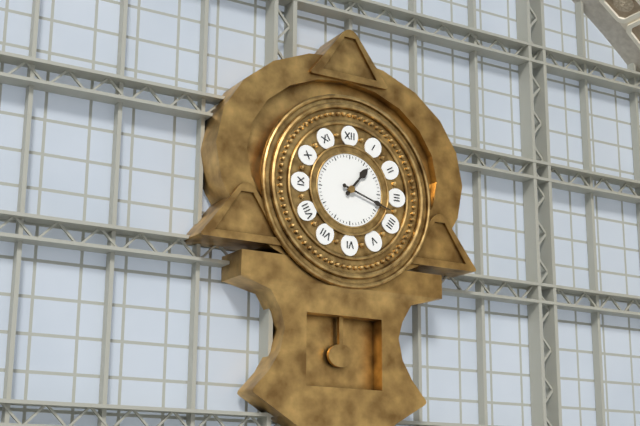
h=1 m=18
